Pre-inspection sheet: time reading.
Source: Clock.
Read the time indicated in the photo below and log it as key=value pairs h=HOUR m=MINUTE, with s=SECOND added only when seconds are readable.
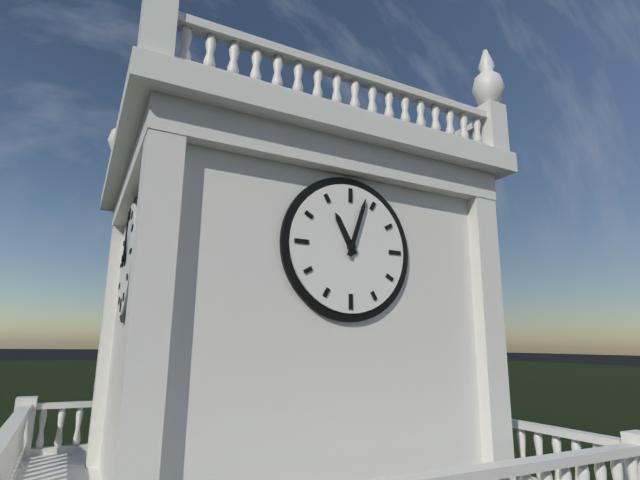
h=11 m=3
